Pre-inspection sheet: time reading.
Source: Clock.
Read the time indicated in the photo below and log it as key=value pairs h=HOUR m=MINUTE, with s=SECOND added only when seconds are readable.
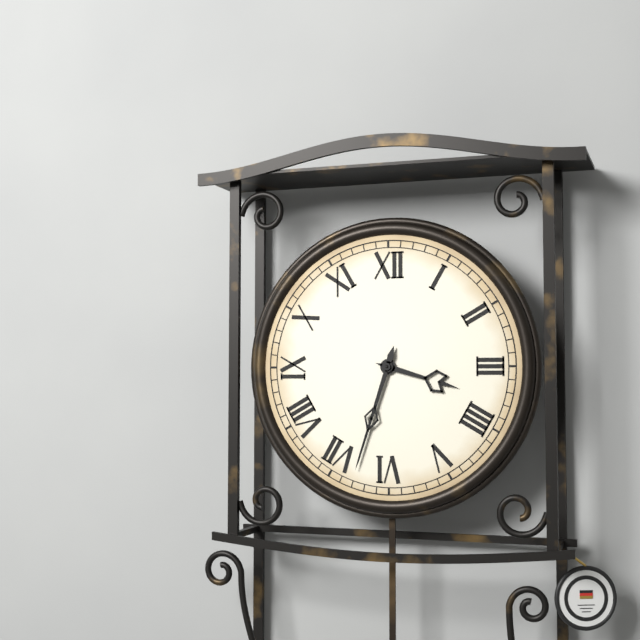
h=3 m=33
